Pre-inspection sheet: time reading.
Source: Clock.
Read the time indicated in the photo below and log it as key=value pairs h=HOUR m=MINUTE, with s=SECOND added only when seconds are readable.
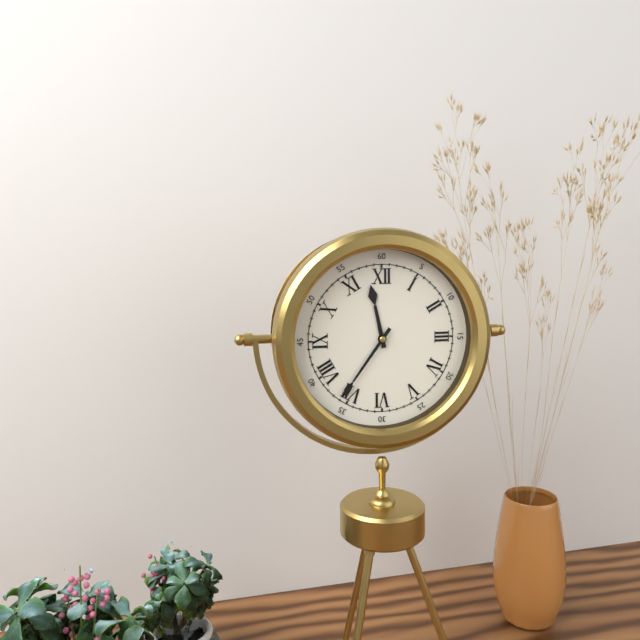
h=11 m=36
